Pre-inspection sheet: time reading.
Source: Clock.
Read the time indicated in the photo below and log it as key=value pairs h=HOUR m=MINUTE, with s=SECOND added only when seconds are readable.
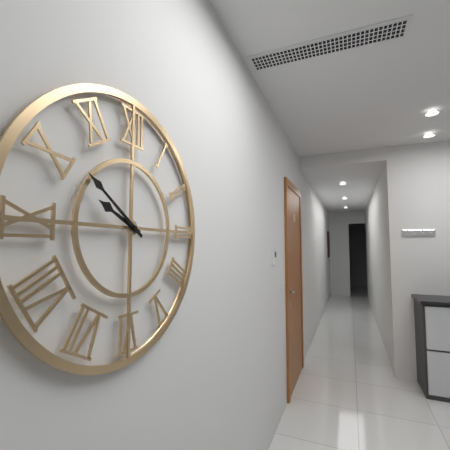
h=9 m=51
